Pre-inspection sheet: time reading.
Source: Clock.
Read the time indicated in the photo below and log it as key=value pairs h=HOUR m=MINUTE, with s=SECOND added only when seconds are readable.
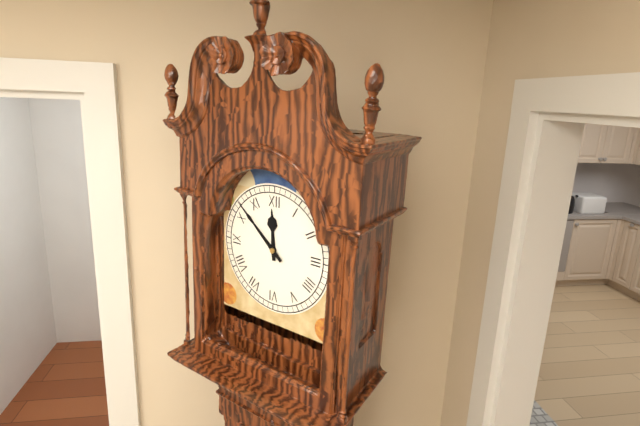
h=11 m=52
